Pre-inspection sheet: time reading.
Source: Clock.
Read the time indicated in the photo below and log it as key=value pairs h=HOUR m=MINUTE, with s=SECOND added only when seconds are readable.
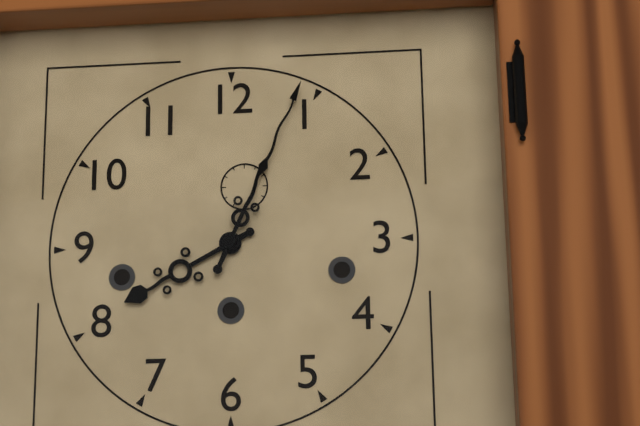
h=8 m=4
